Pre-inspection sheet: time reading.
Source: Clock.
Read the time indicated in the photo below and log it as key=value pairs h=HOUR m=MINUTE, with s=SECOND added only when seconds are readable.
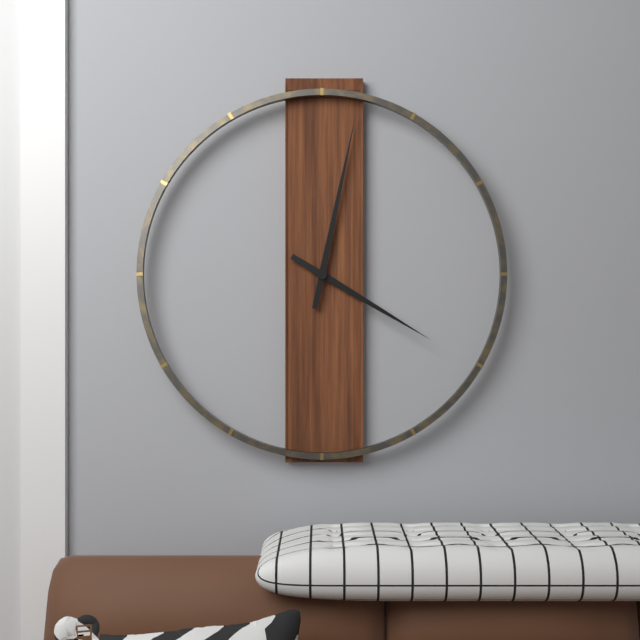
h=4 m=2
